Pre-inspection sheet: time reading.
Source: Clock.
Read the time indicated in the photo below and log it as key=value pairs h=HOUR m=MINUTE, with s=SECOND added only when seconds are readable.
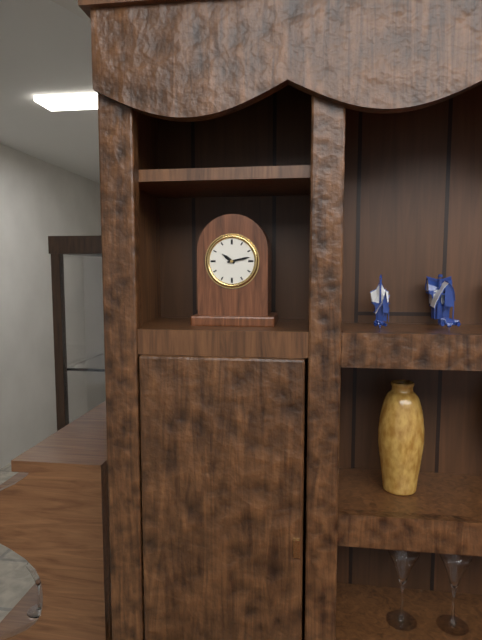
h=10 m=13
